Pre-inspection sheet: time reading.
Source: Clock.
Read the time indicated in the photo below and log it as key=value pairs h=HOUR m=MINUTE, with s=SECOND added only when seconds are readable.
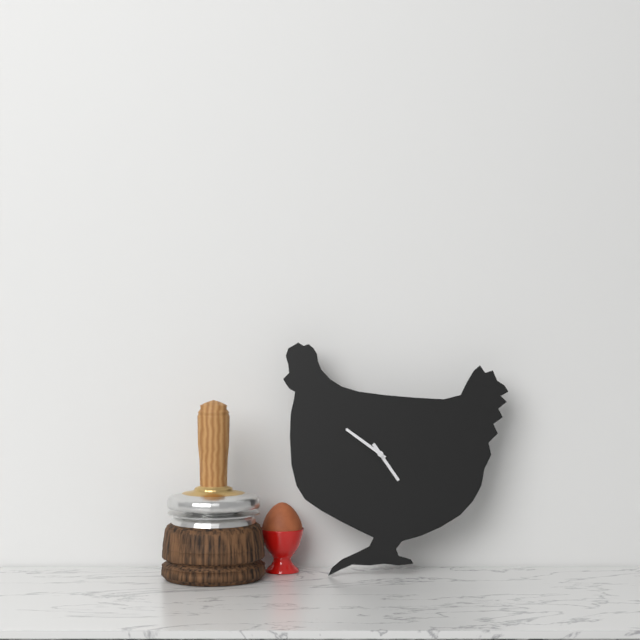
h=4 m=51
